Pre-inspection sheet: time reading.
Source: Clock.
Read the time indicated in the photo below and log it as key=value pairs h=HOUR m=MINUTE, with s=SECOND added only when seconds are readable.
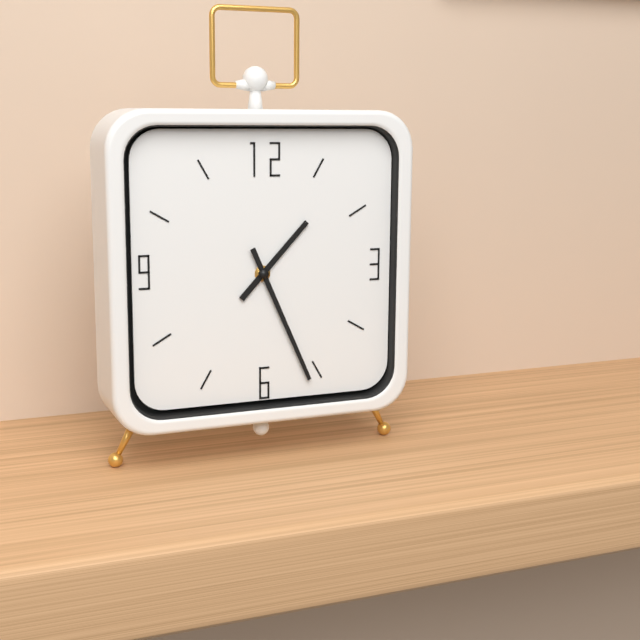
h=1 m=26
